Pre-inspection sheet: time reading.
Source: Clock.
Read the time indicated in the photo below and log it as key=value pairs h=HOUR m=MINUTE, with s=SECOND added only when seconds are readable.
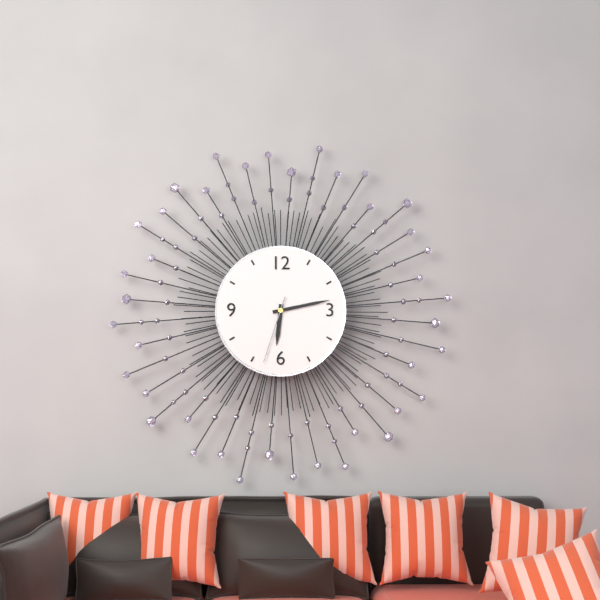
h=6 m=13 s=33
